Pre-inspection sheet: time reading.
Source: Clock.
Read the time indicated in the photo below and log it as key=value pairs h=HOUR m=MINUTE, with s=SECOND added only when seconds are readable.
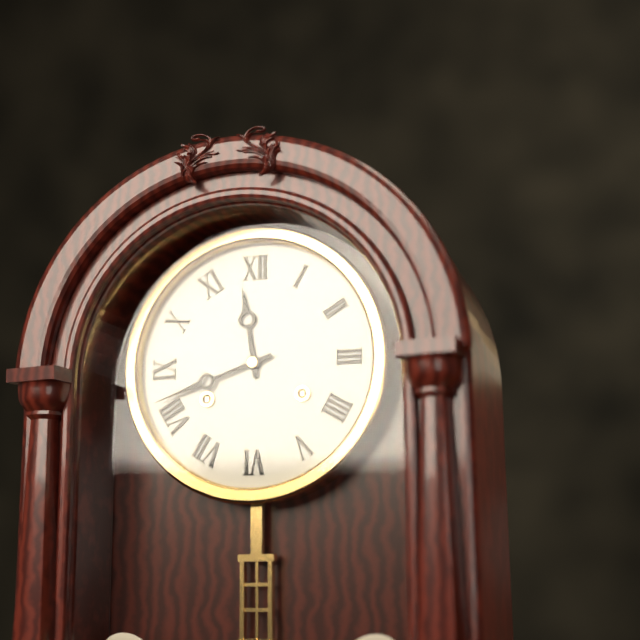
h=11 m=42
